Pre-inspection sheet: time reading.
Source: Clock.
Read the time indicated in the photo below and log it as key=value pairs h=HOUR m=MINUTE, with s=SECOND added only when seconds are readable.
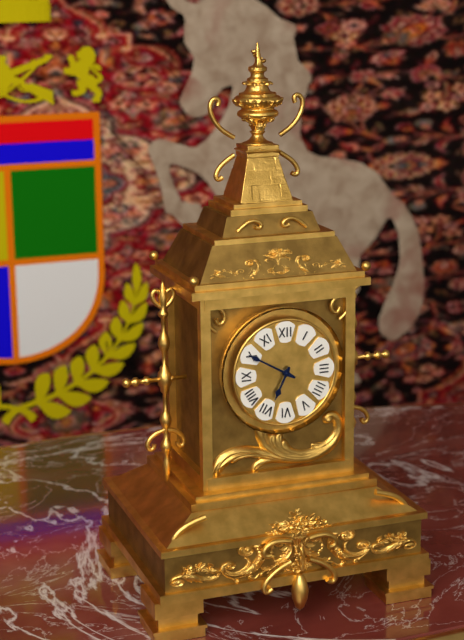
h=6 m=50
